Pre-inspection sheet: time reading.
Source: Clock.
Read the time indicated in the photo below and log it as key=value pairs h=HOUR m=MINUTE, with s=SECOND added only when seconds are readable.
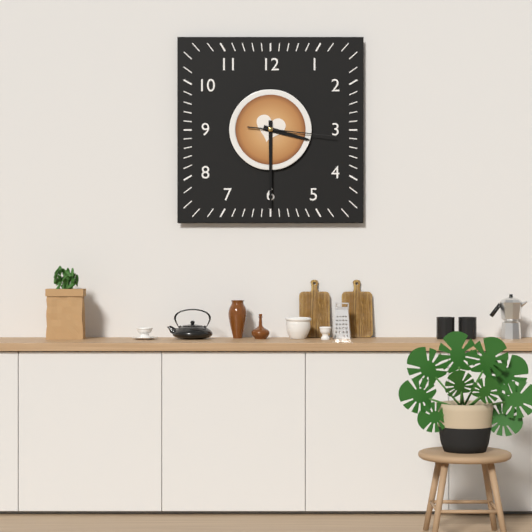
h=3 m=30 s=16
